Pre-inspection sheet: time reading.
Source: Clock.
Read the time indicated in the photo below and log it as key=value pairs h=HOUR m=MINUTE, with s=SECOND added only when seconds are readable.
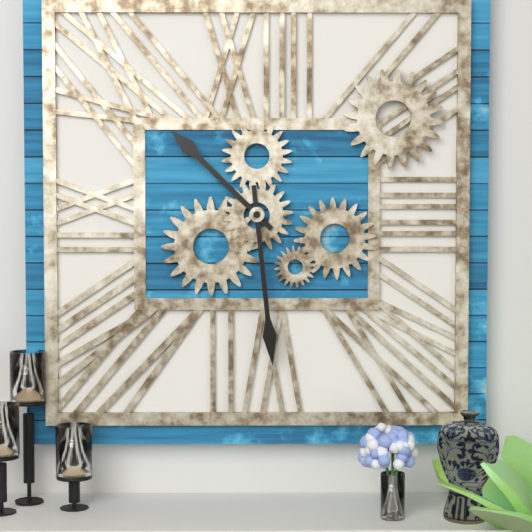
h=10 m=29
